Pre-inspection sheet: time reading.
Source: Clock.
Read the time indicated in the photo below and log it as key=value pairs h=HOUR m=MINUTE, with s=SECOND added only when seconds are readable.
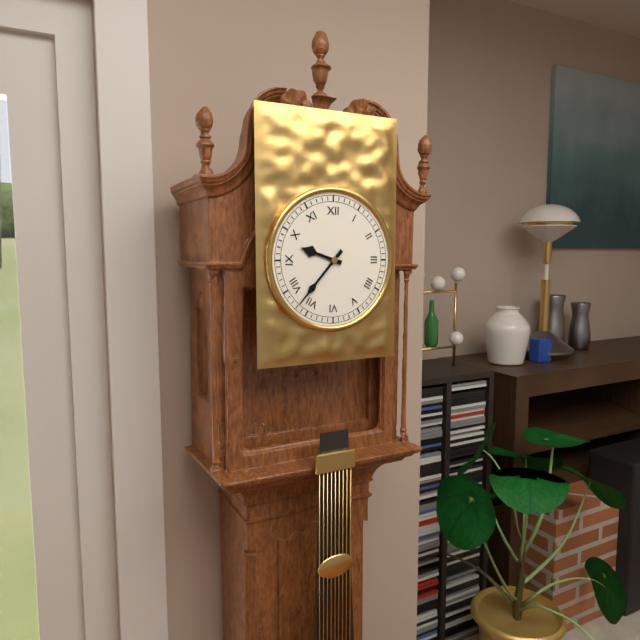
h=9 m=37
